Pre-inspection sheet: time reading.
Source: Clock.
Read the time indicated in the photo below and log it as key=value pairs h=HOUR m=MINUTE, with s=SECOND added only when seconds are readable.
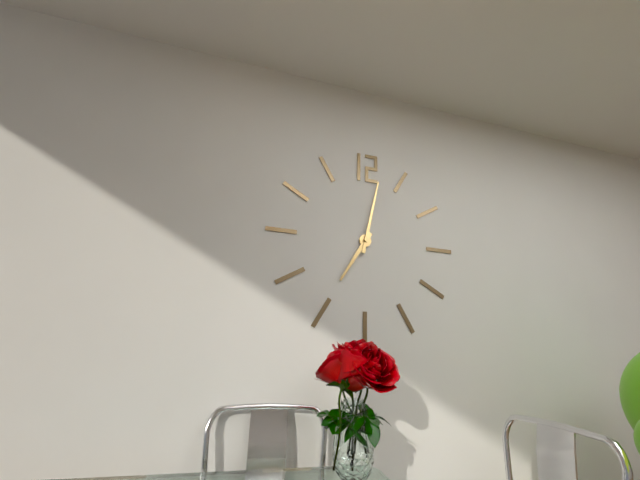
h=7 m=2
